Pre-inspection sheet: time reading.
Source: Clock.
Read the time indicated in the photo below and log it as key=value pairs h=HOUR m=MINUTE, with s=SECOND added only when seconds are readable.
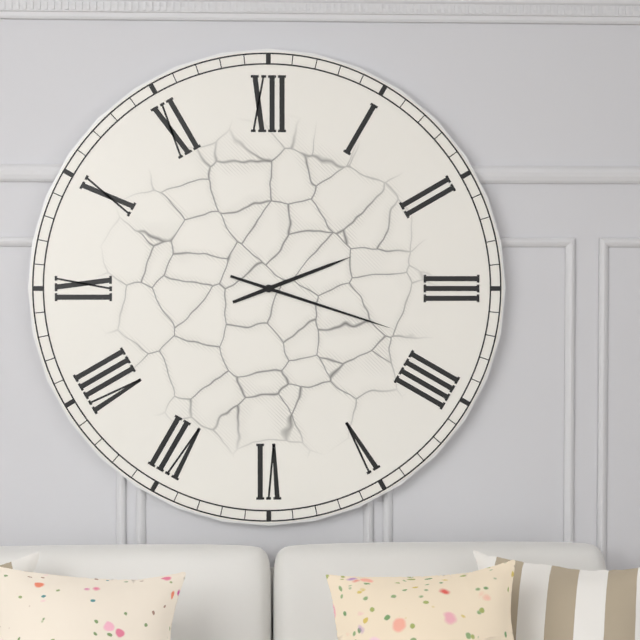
h=2 m=18
